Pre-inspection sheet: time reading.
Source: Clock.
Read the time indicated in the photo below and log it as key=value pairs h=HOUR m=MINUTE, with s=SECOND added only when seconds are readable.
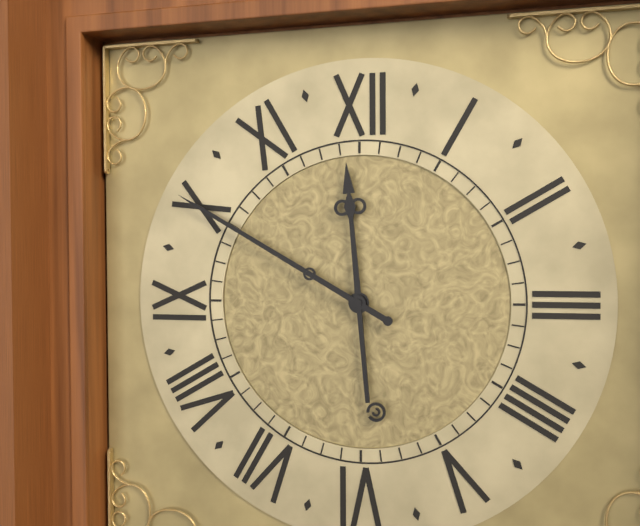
h=11 m=50
